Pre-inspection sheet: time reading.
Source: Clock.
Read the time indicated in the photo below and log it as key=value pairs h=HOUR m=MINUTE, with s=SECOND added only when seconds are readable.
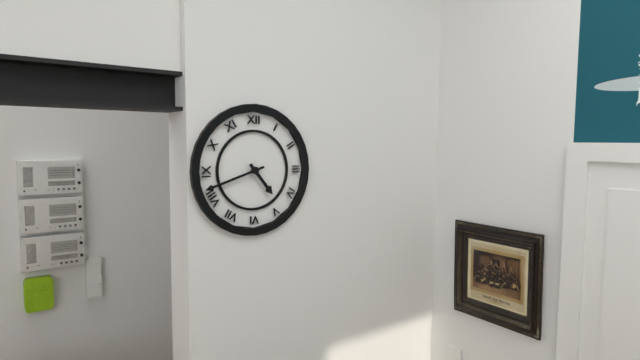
h=4 m=42
